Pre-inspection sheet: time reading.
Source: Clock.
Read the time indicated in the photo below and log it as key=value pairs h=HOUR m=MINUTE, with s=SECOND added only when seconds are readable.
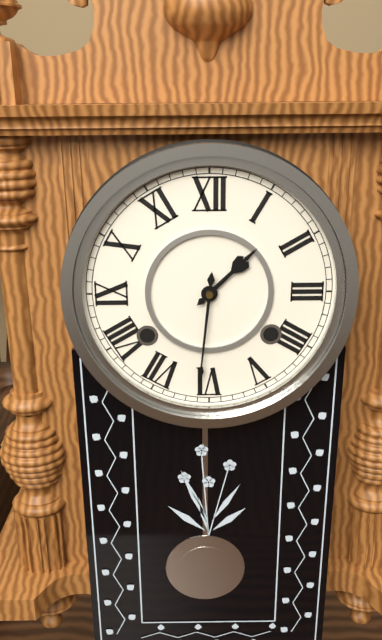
h=1 m=31
